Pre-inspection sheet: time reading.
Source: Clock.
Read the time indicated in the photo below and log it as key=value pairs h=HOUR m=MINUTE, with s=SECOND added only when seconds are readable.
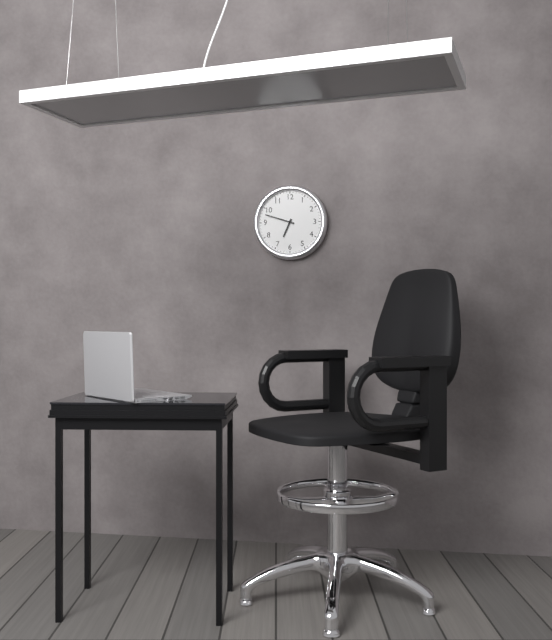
h=6 m=48
